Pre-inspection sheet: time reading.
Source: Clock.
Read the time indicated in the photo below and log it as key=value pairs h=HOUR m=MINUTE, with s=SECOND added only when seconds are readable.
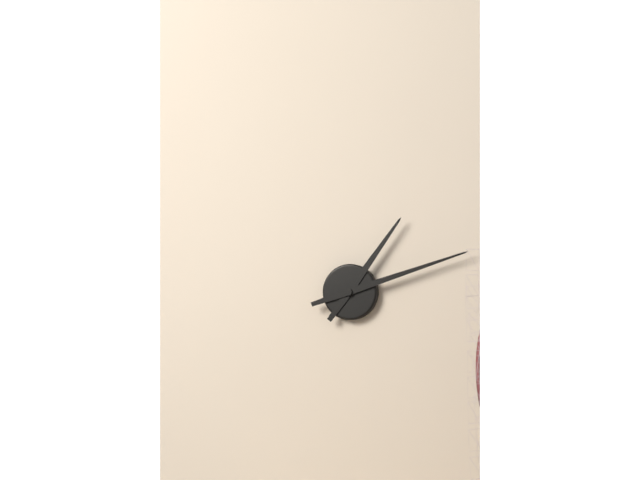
h=1 m=12
